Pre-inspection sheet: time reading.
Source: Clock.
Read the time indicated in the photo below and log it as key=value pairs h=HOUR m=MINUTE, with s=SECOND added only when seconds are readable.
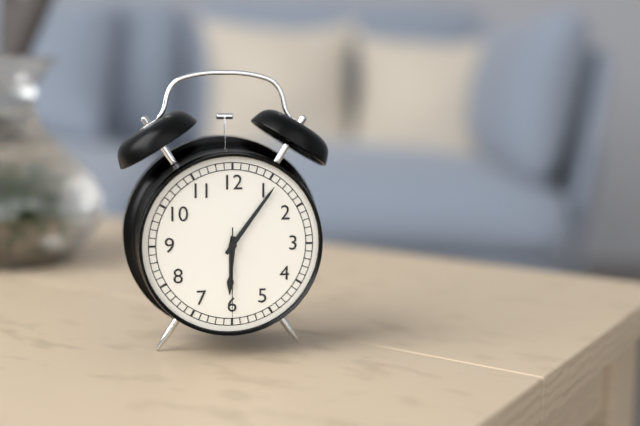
h=6 m=6 s=30
